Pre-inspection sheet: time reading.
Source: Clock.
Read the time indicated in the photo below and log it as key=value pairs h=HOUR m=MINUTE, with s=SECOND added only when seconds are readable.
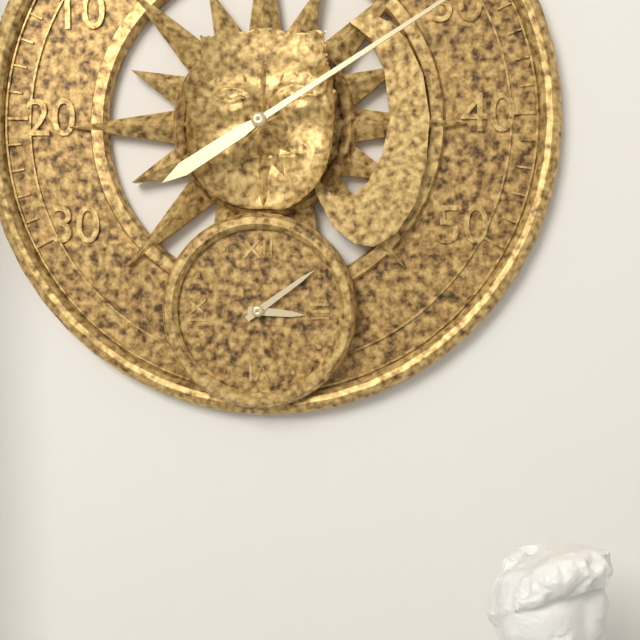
h=3 m=9
